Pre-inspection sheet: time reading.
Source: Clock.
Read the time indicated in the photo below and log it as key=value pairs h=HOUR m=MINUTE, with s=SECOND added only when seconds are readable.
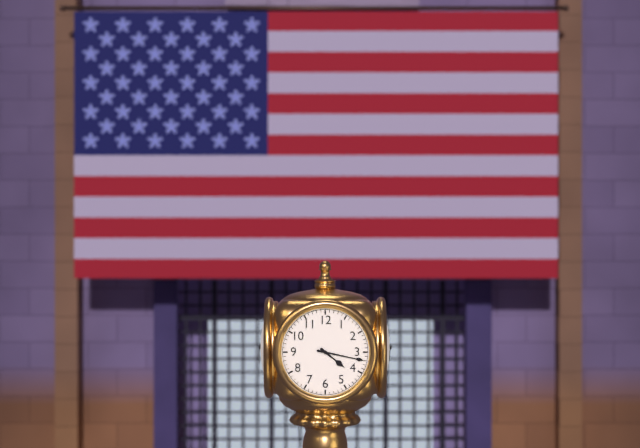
h=4 m=17
